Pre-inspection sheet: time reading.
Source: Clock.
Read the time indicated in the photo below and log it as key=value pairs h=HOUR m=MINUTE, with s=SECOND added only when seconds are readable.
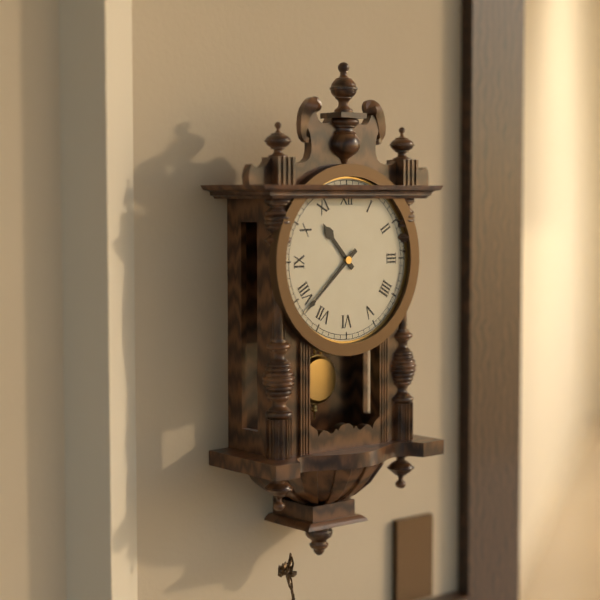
h=10 m=38
